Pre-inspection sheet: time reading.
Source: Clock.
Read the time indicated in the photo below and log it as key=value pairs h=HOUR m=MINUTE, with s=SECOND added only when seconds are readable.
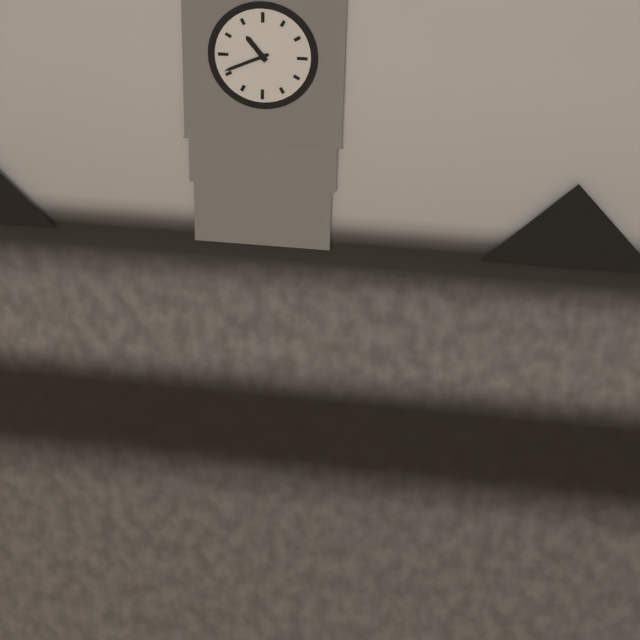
h=10 m=41
